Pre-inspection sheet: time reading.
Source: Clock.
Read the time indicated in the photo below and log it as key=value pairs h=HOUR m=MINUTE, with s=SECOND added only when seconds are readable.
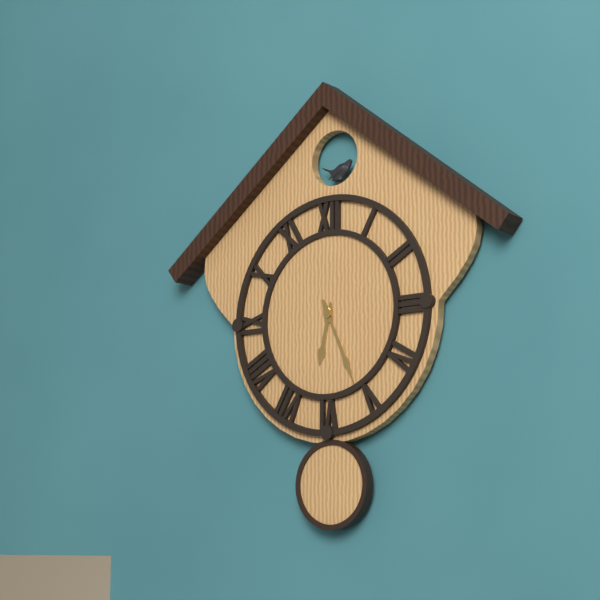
h=6 m=26
